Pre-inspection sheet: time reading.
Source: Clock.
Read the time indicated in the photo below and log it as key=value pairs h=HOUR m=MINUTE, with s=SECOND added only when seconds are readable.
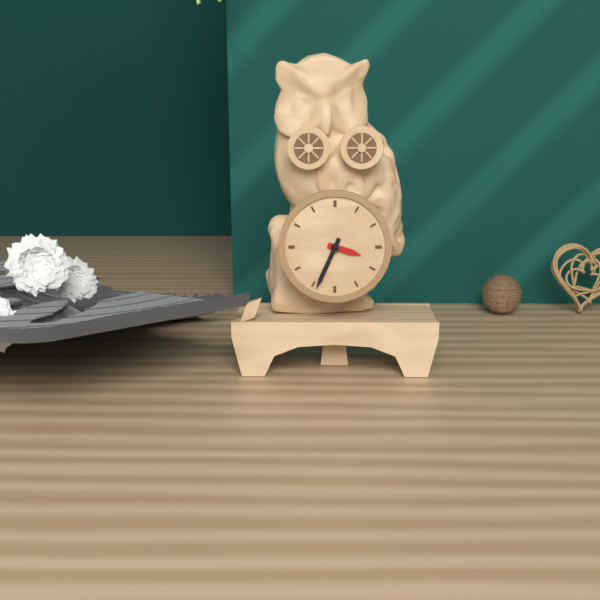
h=3 m=34
